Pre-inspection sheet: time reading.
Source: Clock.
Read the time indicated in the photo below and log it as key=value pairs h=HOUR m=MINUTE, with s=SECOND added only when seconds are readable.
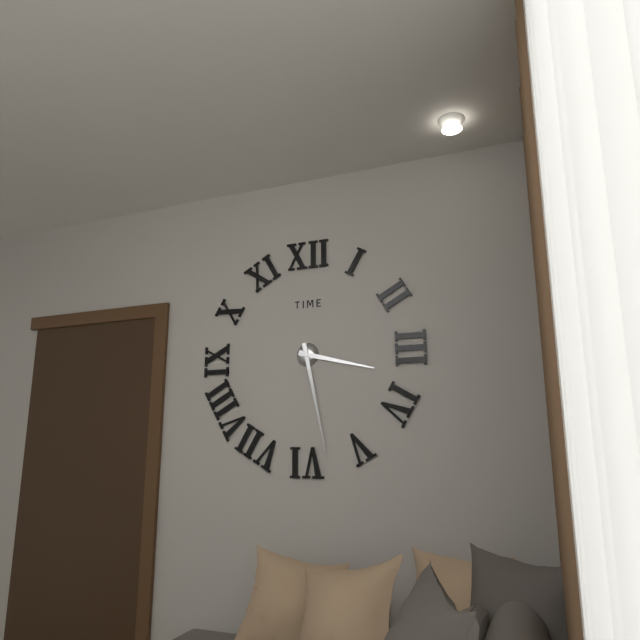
h=3 m=28
